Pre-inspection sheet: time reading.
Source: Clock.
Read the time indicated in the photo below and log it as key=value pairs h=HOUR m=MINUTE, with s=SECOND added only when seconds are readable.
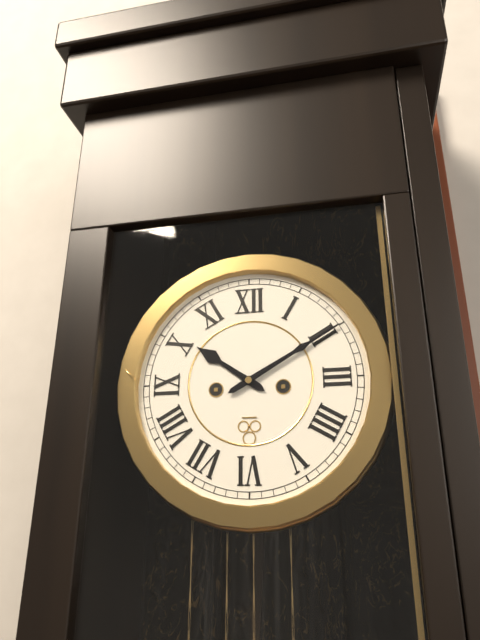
h=10 m=10
